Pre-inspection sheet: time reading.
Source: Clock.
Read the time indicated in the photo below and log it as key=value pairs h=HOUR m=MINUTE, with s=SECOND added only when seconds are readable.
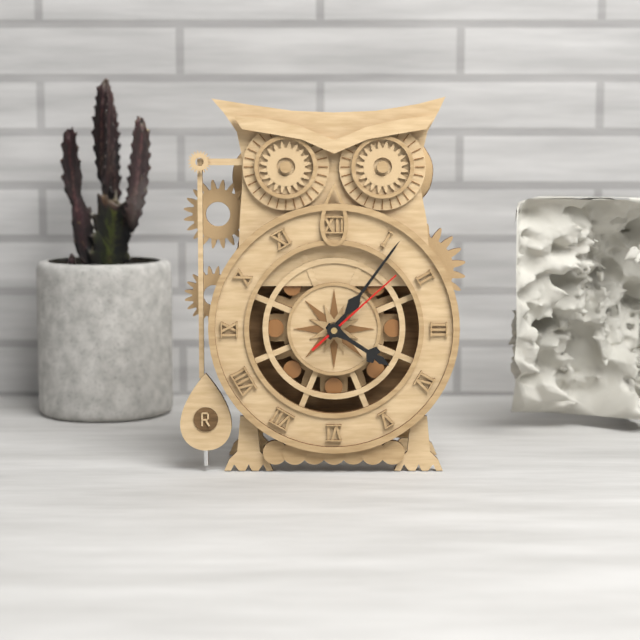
h=4 m=6 s=8
